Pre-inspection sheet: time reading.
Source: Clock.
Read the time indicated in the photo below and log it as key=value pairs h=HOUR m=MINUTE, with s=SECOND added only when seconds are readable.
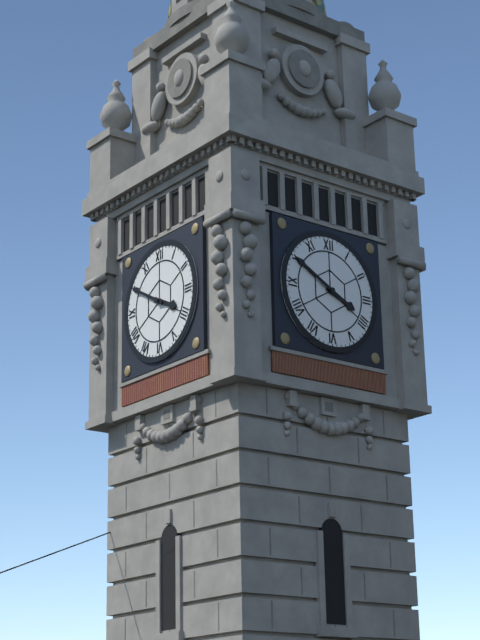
h=3 m=50
